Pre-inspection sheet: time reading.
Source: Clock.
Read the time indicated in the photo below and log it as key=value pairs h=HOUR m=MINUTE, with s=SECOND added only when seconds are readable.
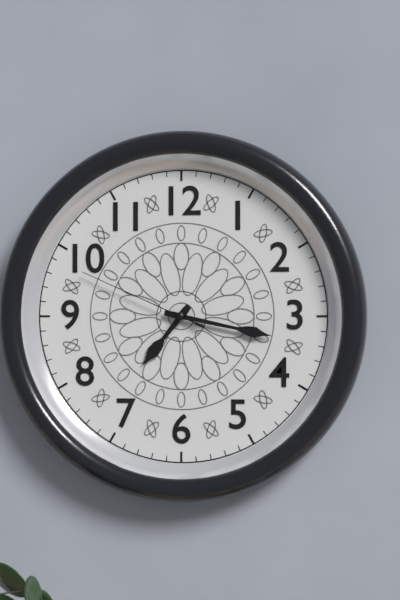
h=7 m=17 s=49
